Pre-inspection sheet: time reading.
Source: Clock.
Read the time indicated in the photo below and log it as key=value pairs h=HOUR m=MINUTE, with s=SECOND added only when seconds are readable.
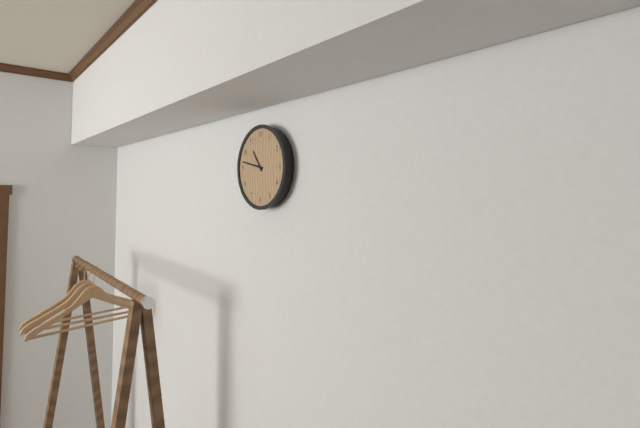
h=10 m=47
